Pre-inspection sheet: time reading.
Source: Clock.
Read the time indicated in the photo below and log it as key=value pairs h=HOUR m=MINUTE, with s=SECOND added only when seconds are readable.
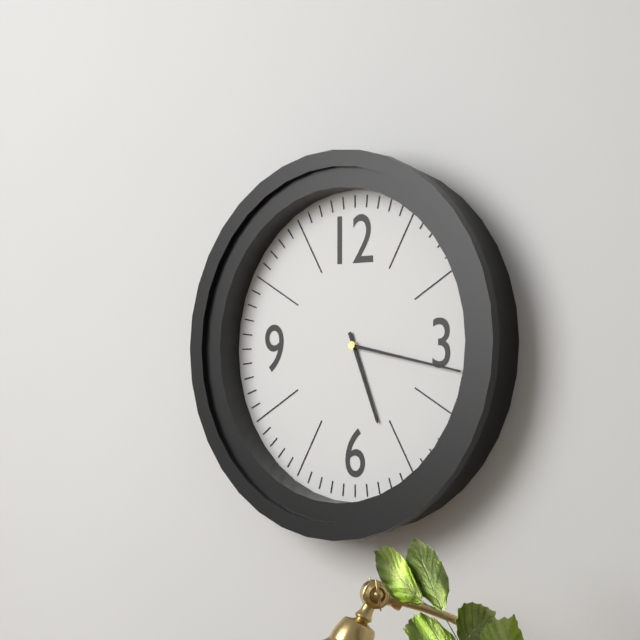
h=5 m=17
